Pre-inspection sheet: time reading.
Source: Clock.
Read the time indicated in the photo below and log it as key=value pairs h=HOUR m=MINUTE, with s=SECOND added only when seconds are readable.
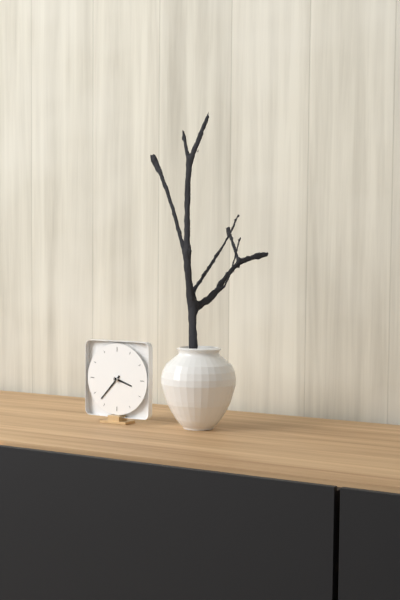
h=3 m=37
